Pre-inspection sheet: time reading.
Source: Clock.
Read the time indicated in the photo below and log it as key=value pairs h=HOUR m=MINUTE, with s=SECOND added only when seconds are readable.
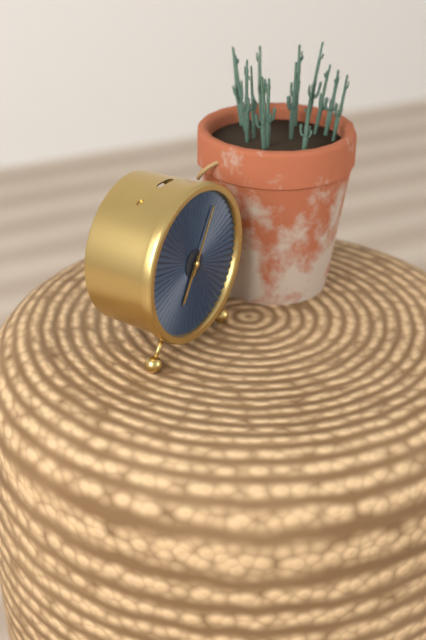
h=7 m=5
